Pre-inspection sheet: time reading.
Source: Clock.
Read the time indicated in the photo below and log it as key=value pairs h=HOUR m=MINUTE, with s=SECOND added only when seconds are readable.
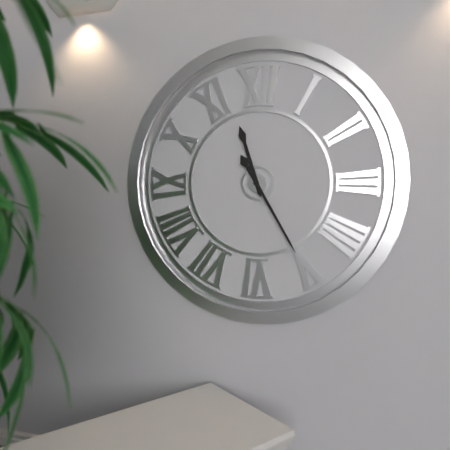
h=11 m=25
